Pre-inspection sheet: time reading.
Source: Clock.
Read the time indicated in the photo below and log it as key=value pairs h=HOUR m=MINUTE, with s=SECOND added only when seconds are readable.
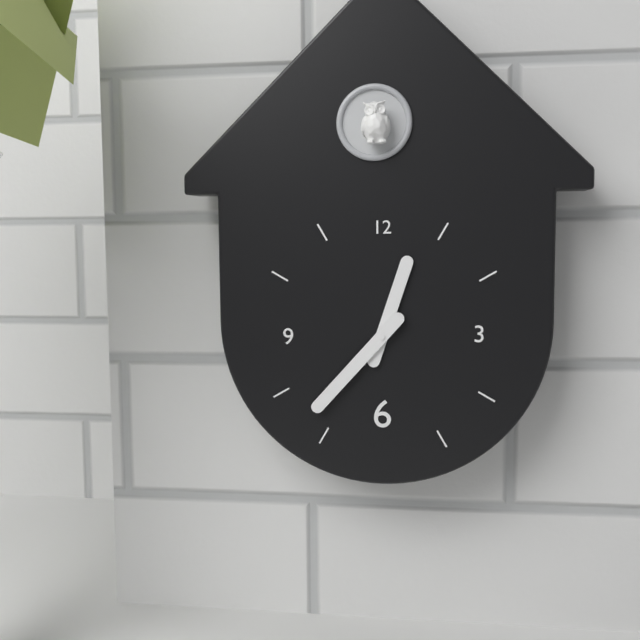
h=12 m=37
